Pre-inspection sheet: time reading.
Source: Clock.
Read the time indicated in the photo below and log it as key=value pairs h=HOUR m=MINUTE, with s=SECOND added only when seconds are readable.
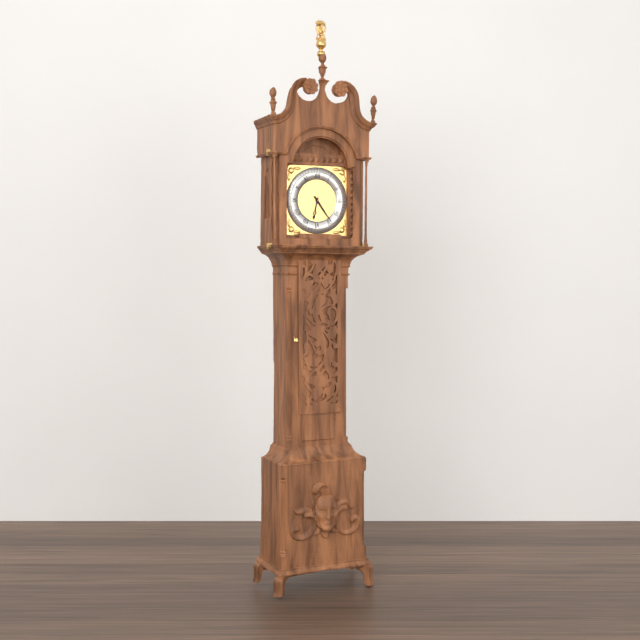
h=6 m=24
